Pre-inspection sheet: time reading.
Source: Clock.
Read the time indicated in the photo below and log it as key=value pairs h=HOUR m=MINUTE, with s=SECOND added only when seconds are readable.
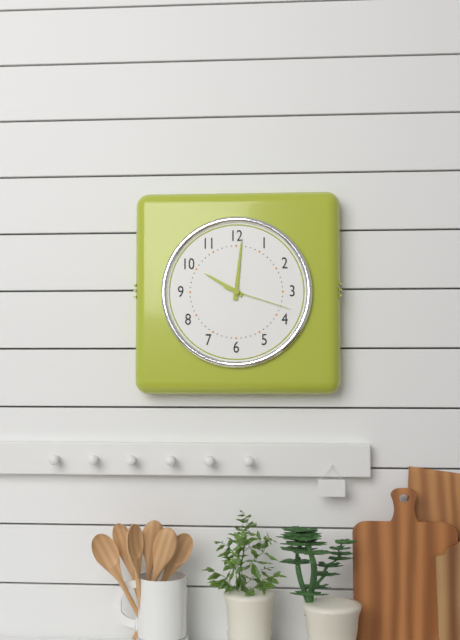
h=10 m=1 s=18
